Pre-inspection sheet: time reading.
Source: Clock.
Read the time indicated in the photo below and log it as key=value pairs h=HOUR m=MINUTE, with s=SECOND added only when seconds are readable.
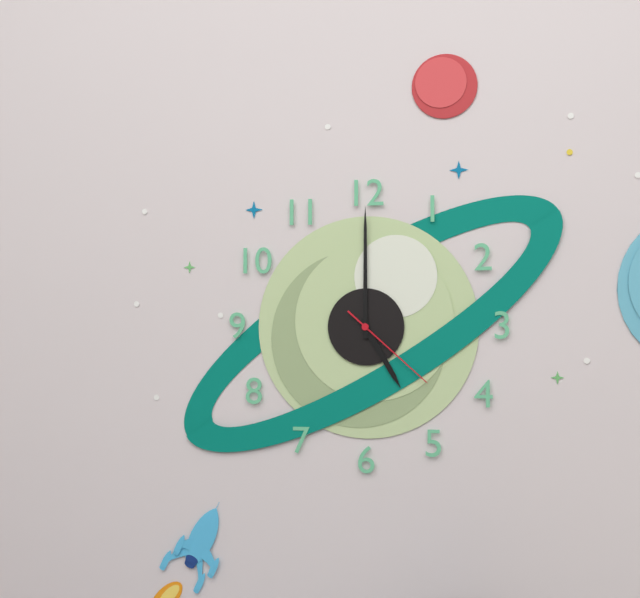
h=5 m=0 s=22
